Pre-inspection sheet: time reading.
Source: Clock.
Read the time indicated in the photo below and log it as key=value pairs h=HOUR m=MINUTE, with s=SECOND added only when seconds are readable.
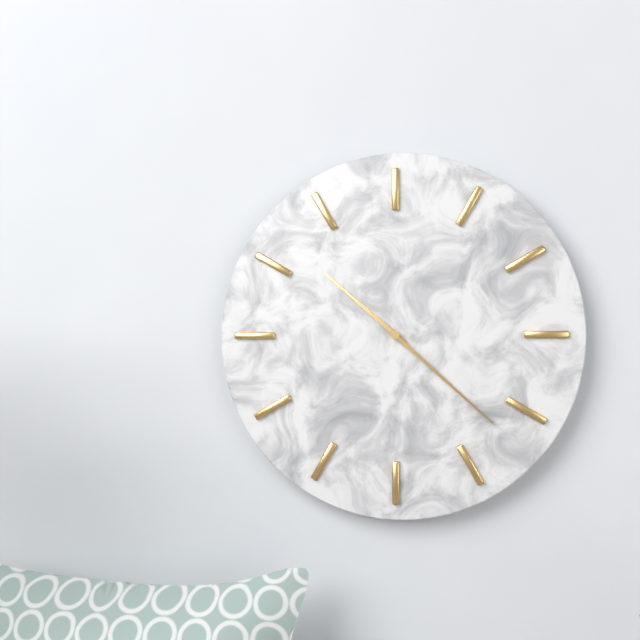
h=10 m=22
